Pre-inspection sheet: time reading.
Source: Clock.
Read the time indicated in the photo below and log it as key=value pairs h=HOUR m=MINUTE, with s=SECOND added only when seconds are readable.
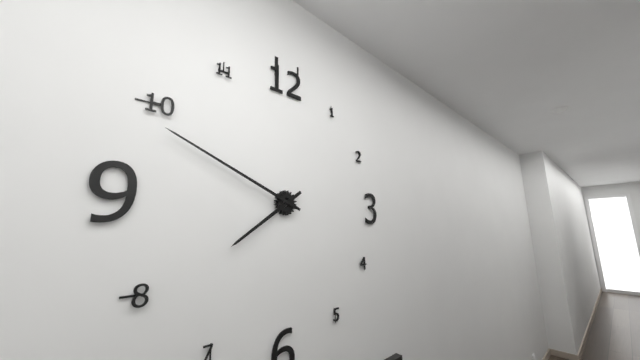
h=7 m=49
